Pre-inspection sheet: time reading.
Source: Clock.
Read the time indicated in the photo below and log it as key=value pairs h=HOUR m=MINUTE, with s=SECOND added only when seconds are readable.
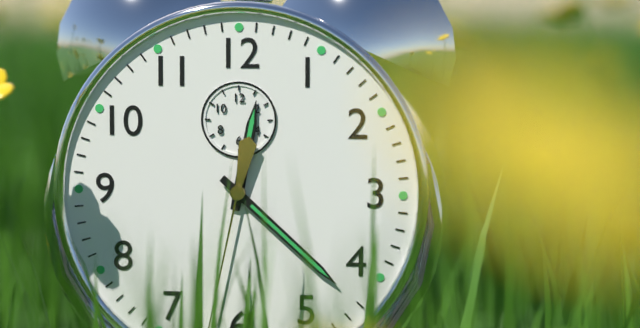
h=12 m=22
